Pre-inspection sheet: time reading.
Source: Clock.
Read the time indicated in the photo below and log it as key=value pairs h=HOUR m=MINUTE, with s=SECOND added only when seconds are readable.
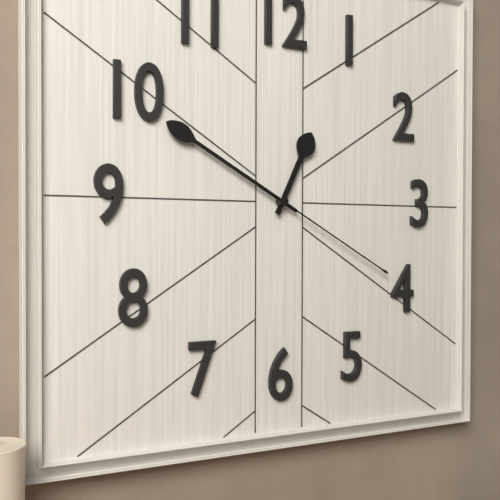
h=12 m=50 s=20
